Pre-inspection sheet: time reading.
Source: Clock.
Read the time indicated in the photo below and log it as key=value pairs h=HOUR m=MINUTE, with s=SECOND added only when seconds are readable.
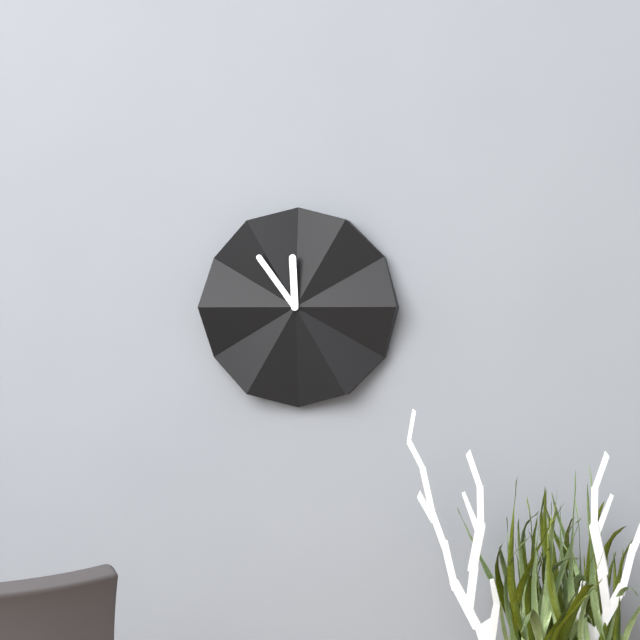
h=11 m=54
